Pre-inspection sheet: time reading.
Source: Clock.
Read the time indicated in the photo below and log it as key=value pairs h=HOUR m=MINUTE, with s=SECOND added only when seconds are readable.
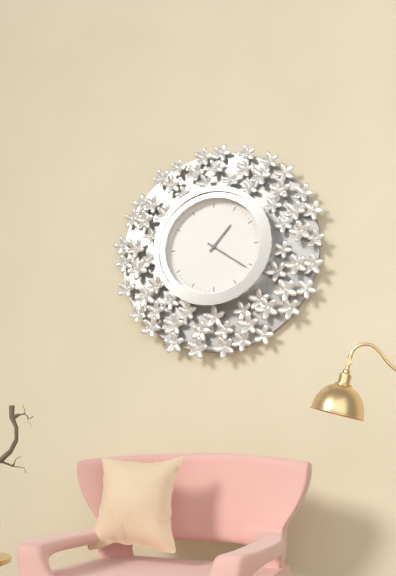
h=1 m=21
